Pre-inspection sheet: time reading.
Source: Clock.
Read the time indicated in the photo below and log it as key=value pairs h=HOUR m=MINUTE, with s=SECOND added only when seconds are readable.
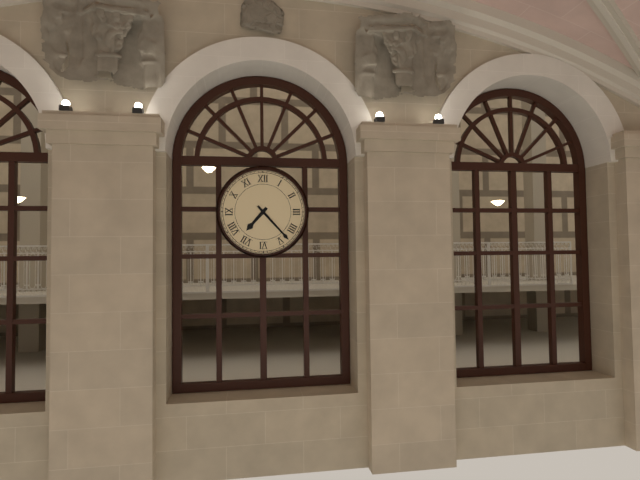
h=7 m=23
